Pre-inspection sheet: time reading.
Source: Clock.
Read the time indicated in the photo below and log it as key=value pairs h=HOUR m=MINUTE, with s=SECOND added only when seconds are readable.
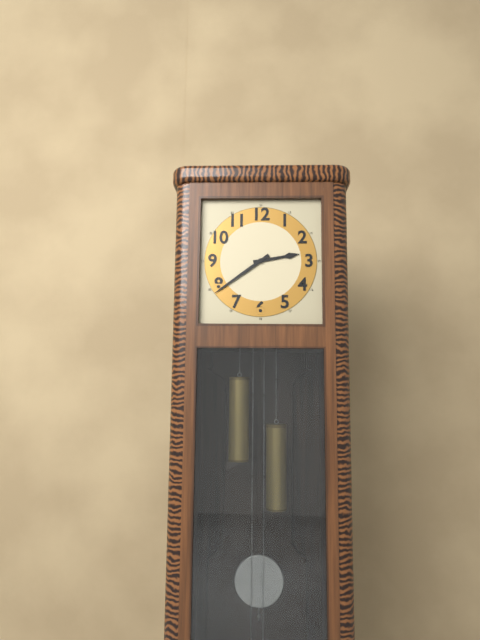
h=2 m=39
